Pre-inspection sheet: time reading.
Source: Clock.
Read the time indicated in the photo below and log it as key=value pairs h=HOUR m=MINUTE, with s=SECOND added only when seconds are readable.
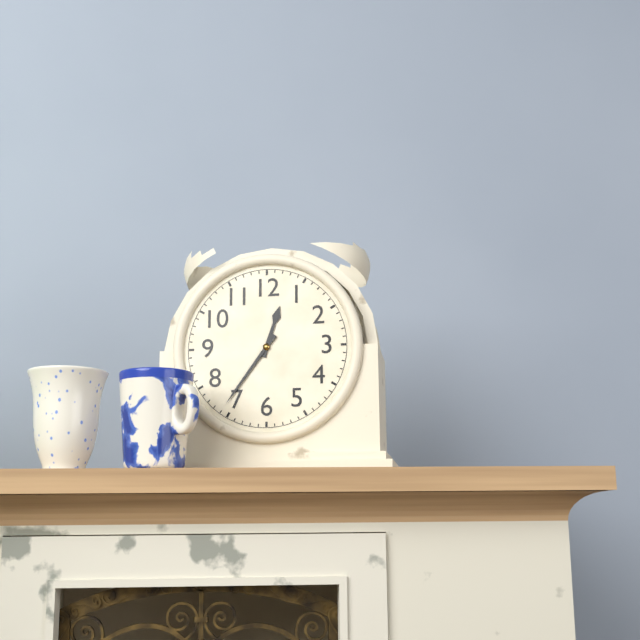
h=12 m=36
